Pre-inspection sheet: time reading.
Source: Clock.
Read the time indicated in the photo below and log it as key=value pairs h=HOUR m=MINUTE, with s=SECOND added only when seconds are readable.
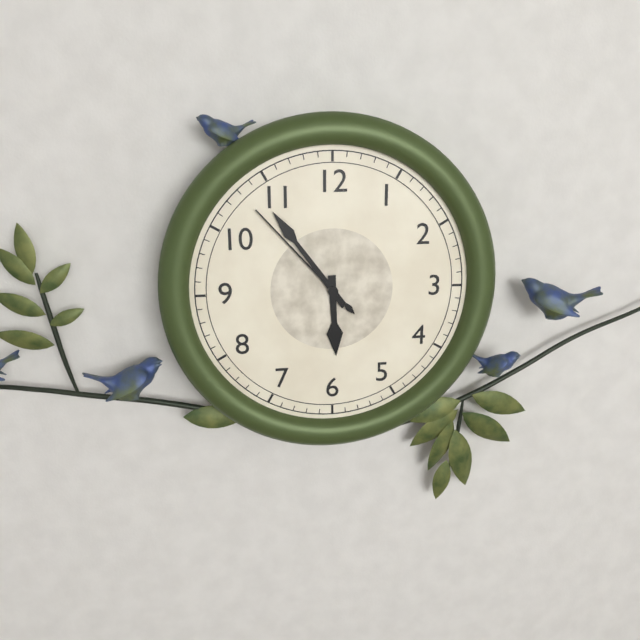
h=5 m=54 s=53
